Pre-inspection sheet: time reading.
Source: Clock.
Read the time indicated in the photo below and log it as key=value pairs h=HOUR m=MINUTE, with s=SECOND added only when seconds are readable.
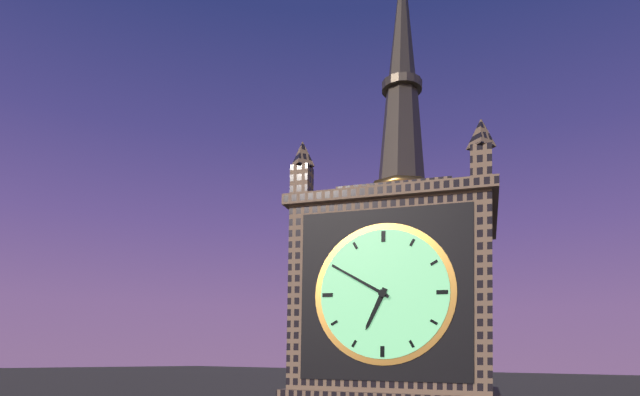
h=6 m=50
